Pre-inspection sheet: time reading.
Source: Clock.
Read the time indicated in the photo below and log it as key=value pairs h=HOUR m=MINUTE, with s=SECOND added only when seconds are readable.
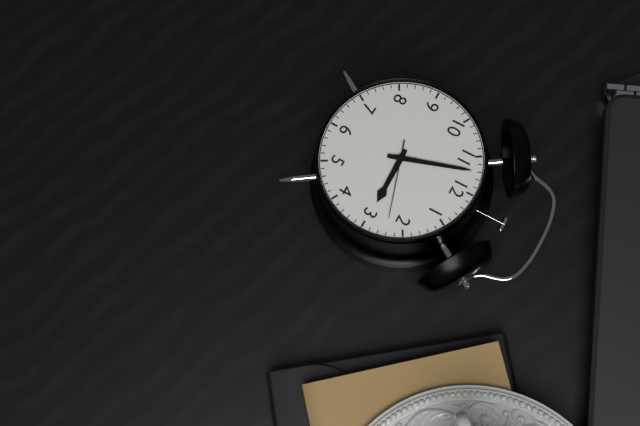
h=2 m=57 s=12
